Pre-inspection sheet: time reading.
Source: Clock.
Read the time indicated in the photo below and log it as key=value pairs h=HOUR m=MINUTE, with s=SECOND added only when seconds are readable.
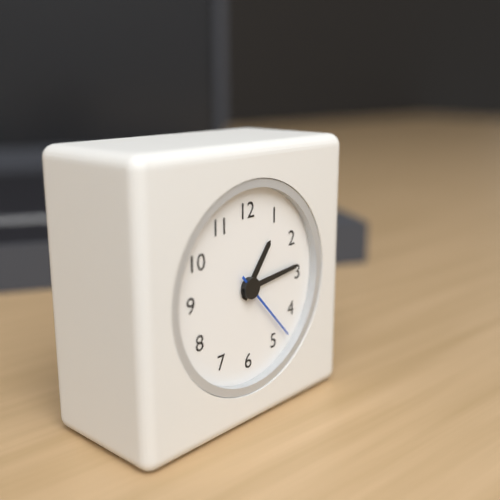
h=1 m=14 s=23
